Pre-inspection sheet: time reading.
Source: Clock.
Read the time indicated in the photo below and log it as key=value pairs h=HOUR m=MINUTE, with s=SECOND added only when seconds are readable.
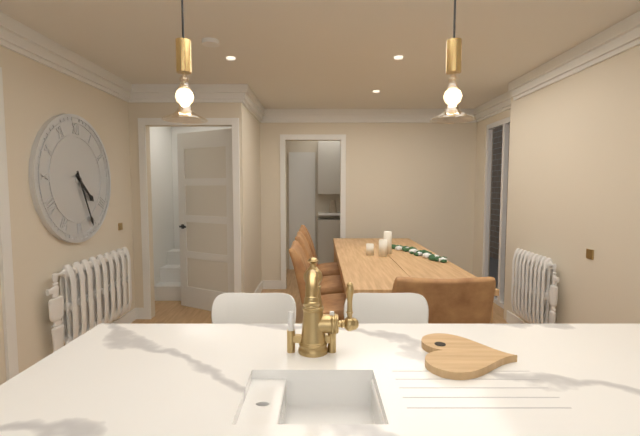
h=4 m=26
